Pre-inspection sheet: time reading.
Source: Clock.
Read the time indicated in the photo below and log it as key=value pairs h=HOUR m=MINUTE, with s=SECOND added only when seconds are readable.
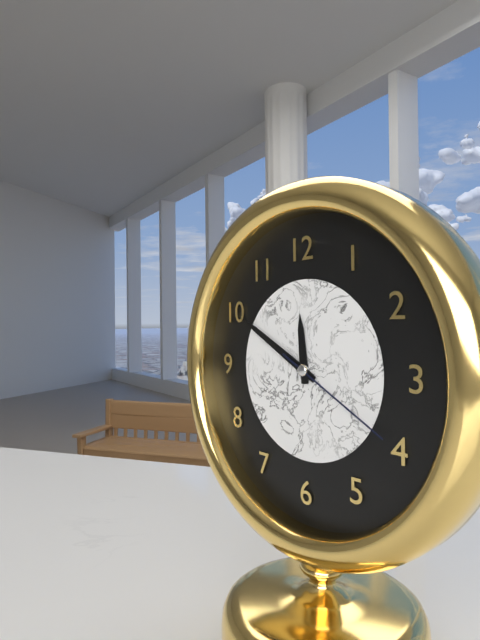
h=11 m=50 s=20
